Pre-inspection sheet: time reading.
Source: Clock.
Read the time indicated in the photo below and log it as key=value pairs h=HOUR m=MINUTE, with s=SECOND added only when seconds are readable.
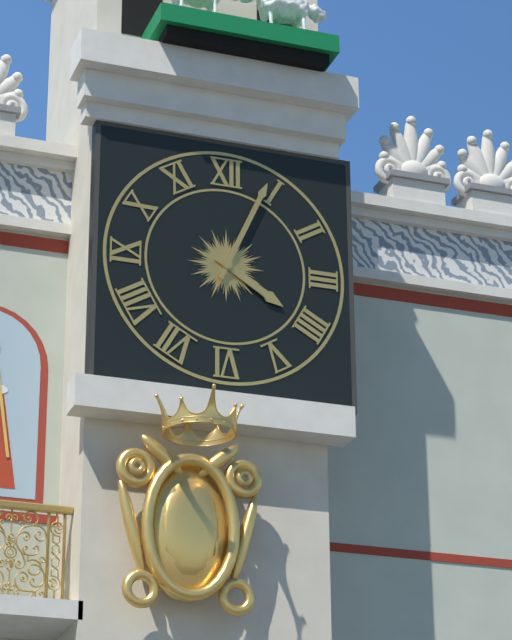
h=4 m=4
